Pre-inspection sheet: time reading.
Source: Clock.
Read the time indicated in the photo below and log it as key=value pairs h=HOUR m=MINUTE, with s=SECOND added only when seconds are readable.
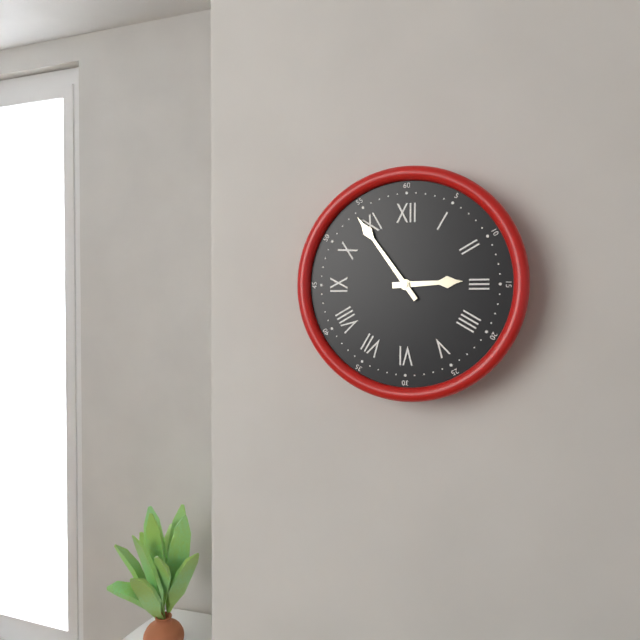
h=2 m=54
